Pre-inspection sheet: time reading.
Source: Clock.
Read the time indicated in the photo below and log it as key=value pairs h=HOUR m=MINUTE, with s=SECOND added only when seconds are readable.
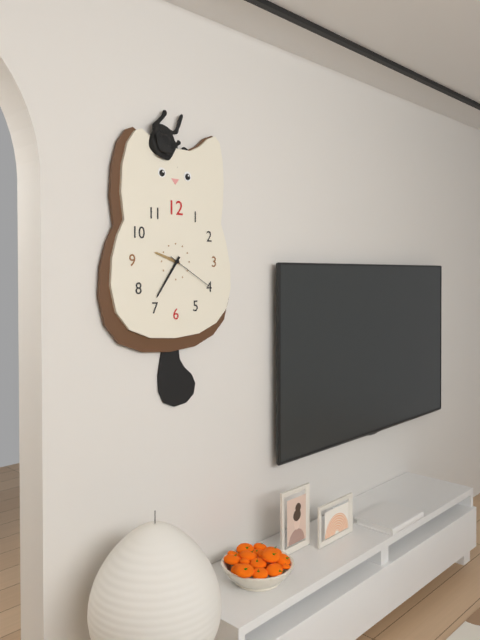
h=9 m=36 s=20
